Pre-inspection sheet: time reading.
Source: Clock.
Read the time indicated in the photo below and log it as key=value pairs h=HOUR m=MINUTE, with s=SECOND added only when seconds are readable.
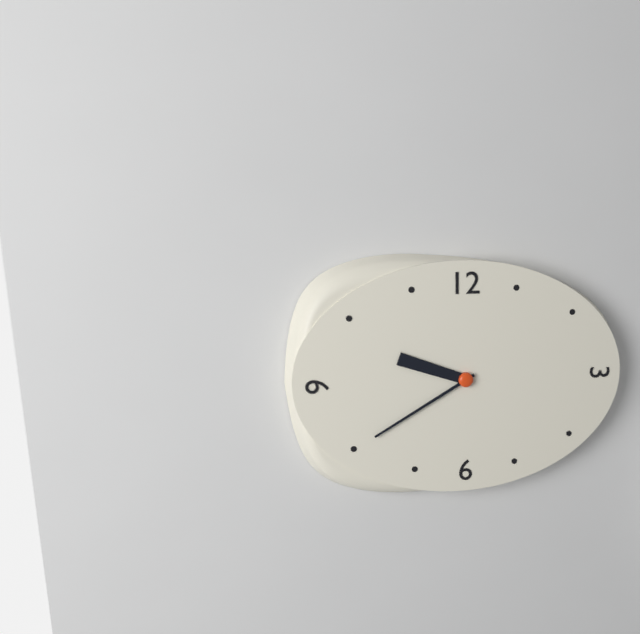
h=9 m=40
